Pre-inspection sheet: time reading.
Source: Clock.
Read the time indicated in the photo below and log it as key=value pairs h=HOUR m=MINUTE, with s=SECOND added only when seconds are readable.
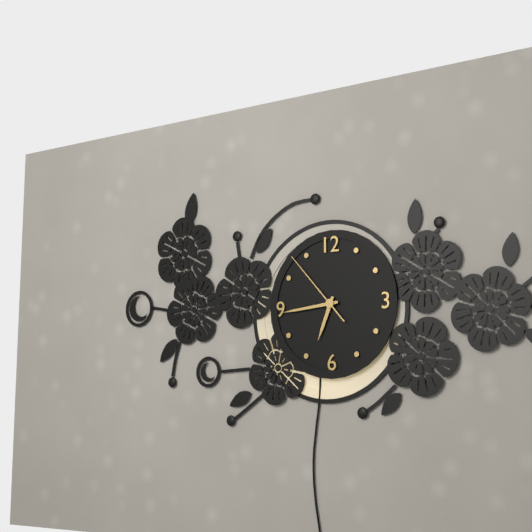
h=6 m=44 s=53
